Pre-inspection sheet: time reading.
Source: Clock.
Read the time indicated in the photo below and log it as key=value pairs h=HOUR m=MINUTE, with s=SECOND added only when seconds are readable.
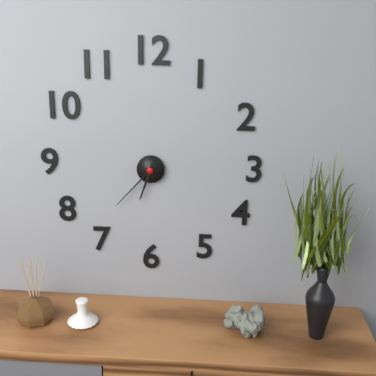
h=6 m=37
